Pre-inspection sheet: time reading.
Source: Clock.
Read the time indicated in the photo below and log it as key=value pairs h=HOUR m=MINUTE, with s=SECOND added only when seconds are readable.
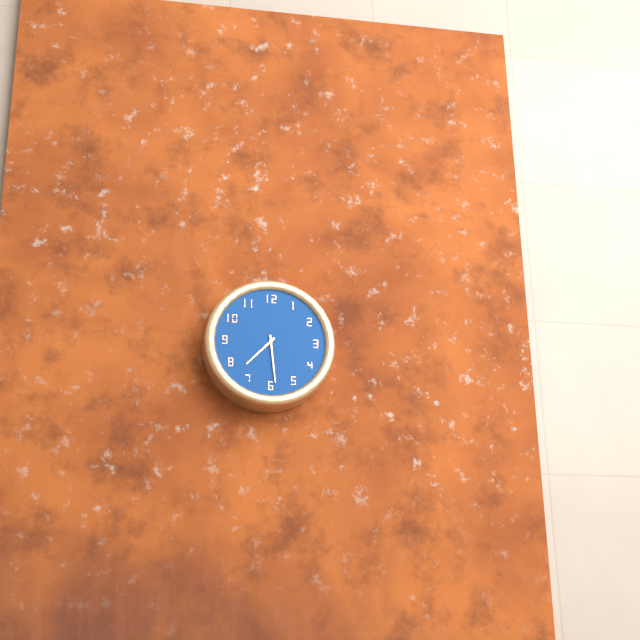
h=7 m=29
